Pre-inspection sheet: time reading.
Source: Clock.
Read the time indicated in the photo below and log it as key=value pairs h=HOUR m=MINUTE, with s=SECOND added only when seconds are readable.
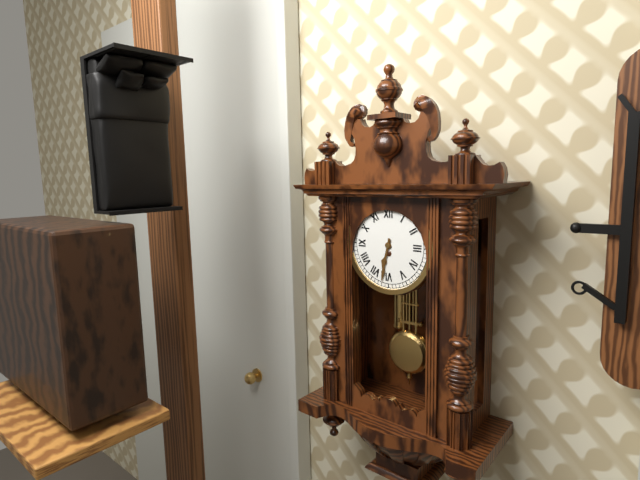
h=6 m=32
